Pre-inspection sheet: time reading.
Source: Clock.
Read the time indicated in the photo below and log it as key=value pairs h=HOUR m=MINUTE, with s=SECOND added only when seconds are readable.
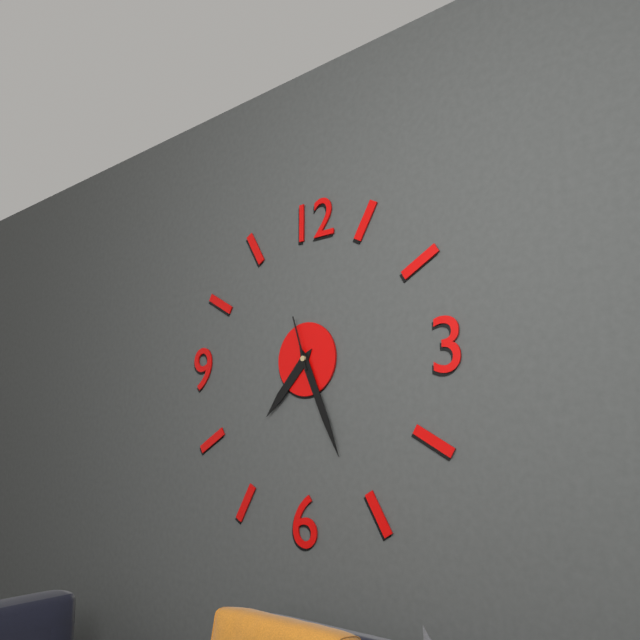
h=7 m=26 s=57
